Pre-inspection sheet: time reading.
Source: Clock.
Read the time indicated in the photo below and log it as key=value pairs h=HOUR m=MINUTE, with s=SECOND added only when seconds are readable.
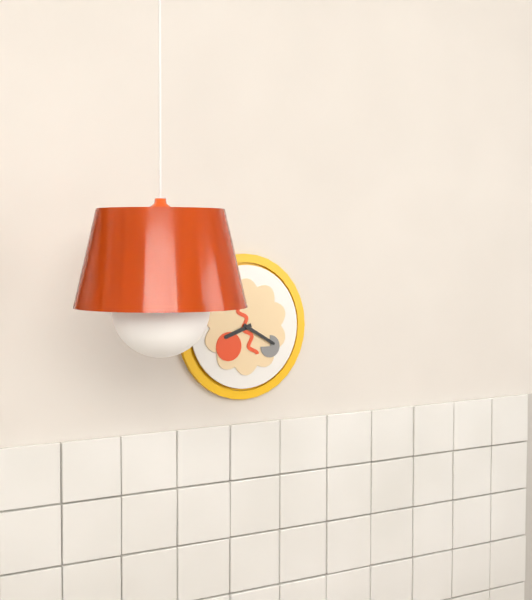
h=8 m=20
